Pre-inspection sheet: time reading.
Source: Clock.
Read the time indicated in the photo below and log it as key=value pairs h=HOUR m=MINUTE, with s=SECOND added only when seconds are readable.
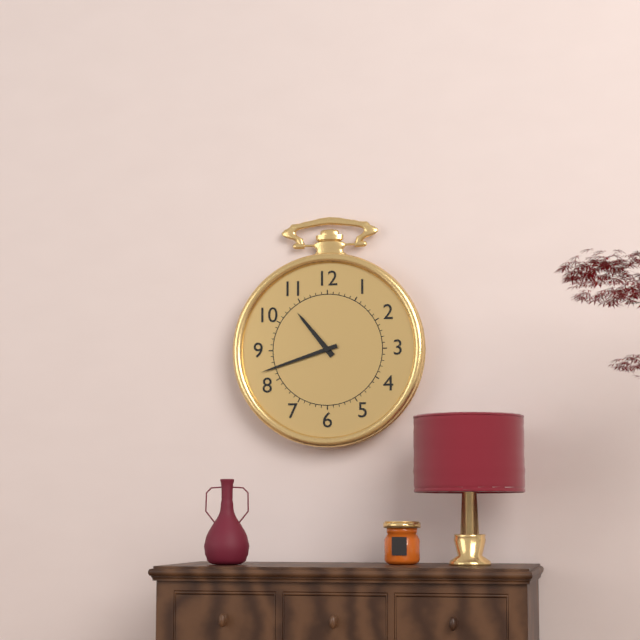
h=10 m=42
